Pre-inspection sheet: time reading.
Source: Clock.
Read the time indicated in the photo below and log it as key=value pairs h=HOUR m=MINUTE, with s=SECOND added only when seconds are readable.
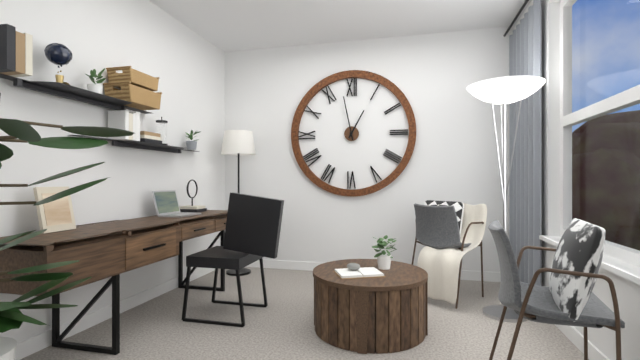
h=12 m=58
